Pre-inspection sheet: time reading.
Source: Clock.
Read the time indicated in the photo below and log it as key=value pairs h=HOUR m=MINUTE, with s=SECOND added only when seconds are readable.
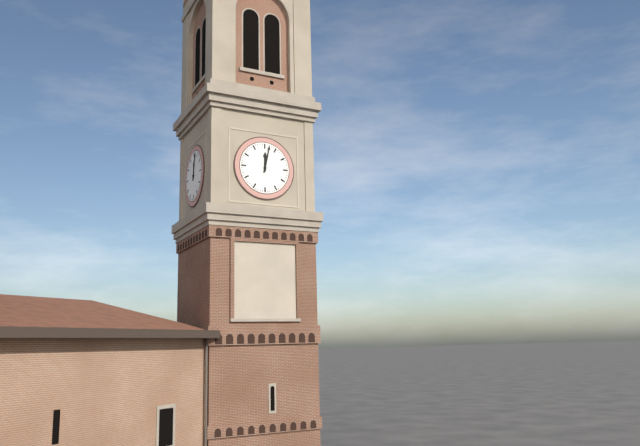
h=12 m=2
